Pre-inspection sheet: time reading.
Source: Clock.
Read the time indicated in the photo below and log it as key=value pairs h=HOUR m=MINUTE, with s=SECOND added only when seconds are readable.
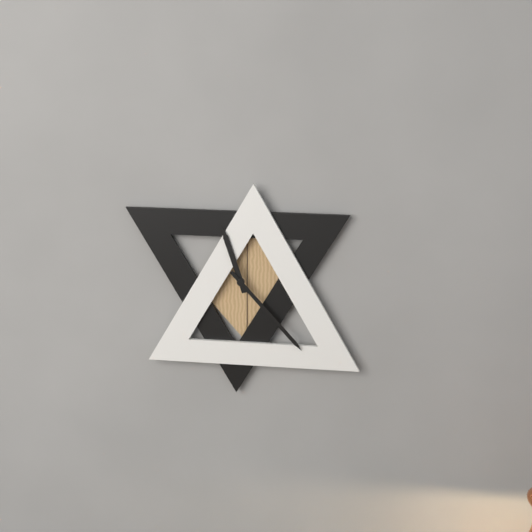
h=11 m=23
